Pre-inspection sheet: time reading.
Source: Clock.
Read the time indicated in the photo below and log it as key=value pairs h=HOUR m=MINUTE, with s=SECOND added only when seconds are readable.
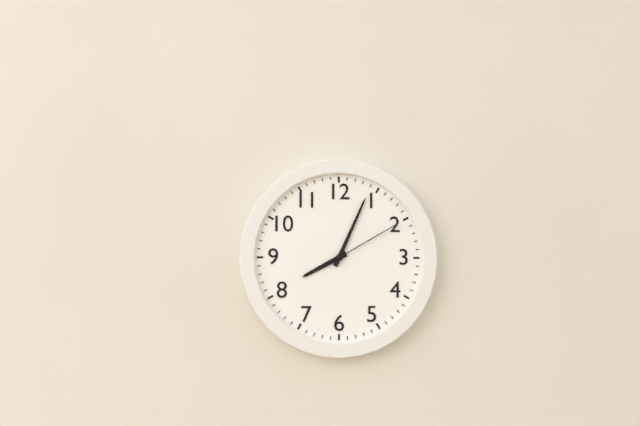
h=8 m=4 s=10
